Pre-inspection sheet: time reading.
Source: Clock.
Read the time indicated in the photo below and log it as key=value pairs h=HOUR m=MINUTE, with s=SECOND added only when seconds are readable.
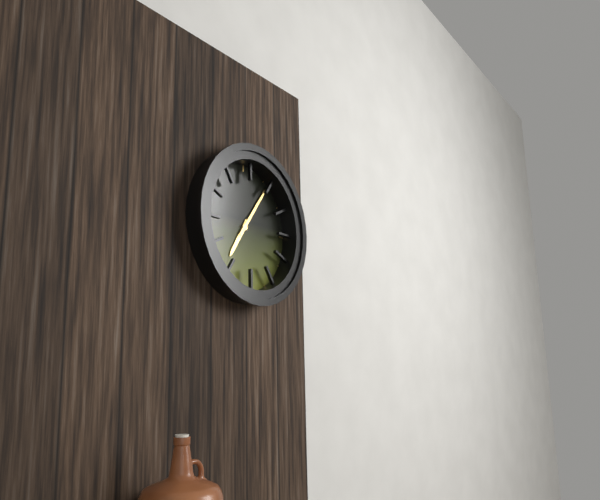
h=7 m=6
